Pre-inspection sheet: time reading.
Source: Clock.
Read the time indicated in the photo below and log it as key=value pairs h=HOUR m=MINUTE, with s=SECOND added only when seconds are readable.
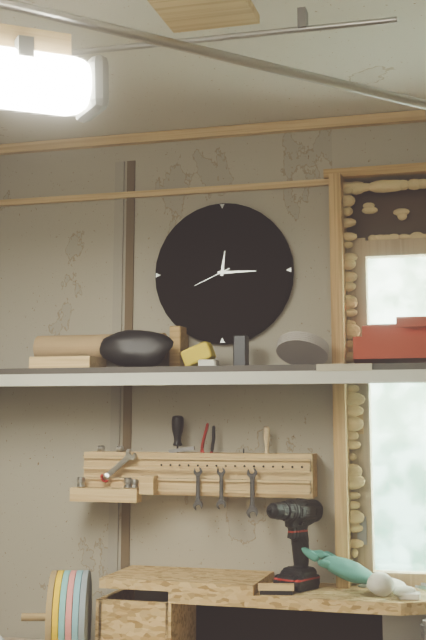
h=12 m=15
